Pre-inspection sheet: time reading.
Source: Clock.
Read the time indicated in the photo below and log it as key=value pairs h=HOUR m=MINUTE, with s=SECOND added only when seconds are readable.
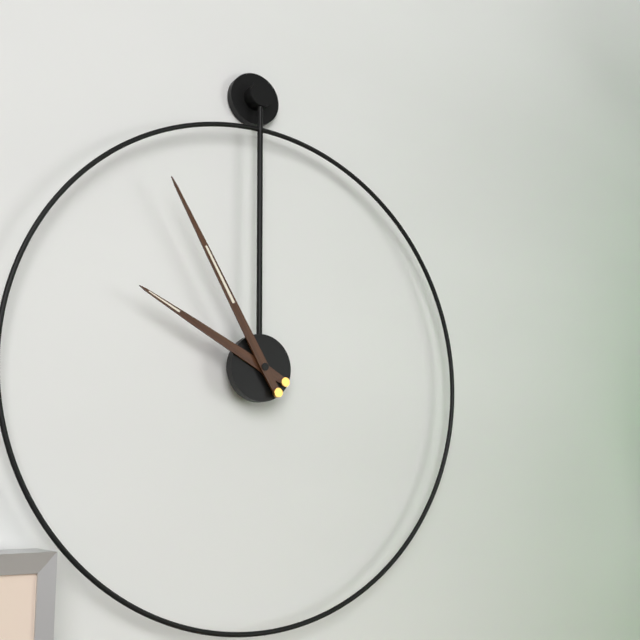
h=9 m=55
